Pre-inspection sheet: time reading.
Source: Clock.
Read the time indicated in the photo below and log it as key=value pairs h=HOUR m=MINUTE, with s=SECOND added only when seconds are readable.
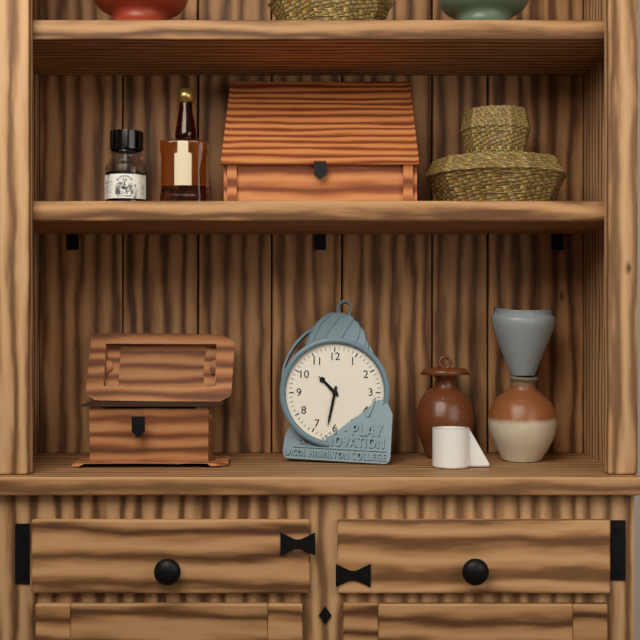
h=10 m=32
